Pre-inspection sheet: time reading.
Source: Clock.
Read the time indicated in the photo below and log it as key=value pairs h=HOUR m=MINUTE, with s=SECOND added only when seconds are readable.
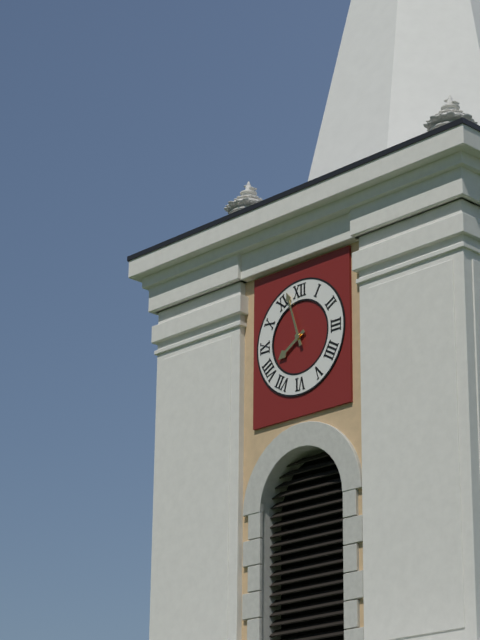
h=7 m=57
